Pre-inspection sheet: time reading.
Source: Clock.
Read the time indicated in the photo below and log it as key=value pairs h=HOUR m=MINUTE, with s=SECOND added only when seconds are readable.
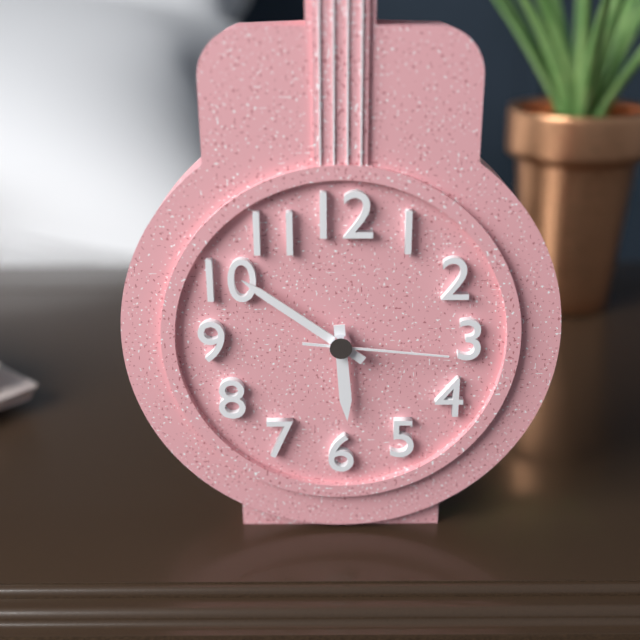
h=5 m=51 s=16
